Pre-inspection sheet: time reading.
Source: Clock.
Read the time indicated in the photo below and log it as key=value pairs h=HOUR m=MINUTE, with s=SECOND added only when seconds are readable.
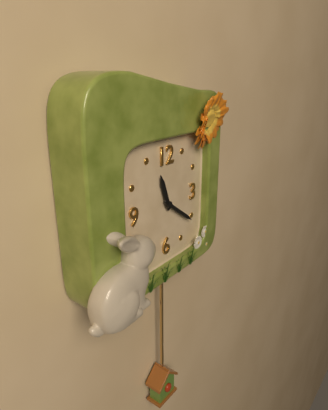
h=11 m=21
